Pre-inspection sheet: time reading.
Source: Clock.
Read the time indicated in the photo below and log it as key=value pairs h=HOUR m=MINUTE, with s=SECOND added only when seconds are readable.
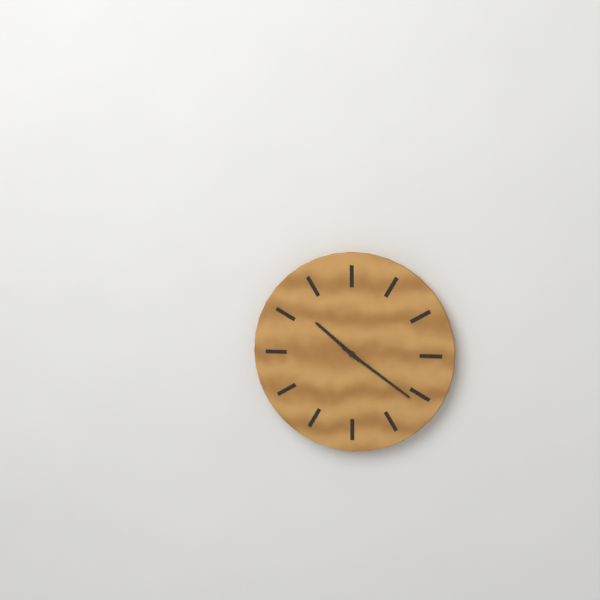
h=10 m=21
